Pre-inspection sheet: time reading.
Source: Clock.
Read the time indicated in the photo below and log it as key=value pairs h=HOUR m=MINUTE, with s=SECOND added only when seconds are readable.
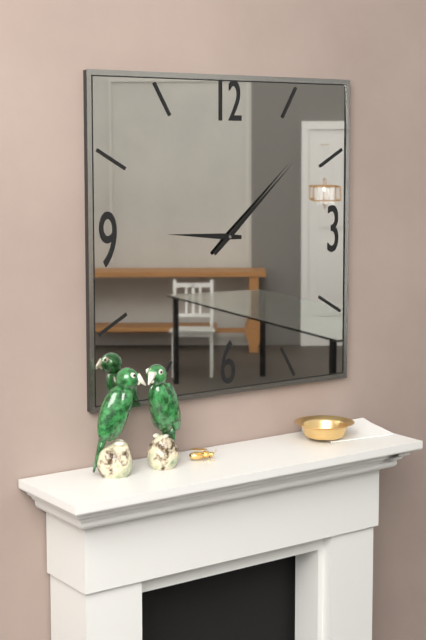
h=9 m=8
